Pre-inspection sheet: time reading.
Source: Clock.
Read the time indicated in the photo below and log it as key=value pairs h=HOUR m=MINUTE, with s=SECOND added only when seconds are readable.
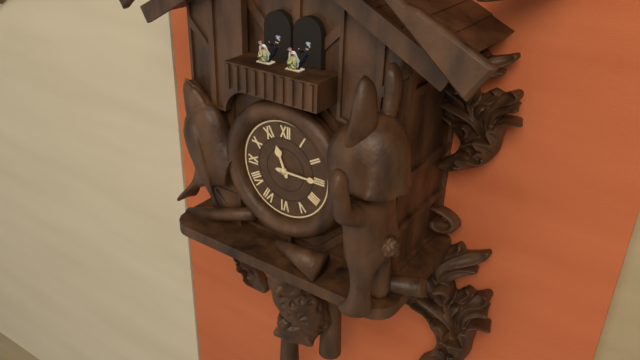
h=11 m=15
